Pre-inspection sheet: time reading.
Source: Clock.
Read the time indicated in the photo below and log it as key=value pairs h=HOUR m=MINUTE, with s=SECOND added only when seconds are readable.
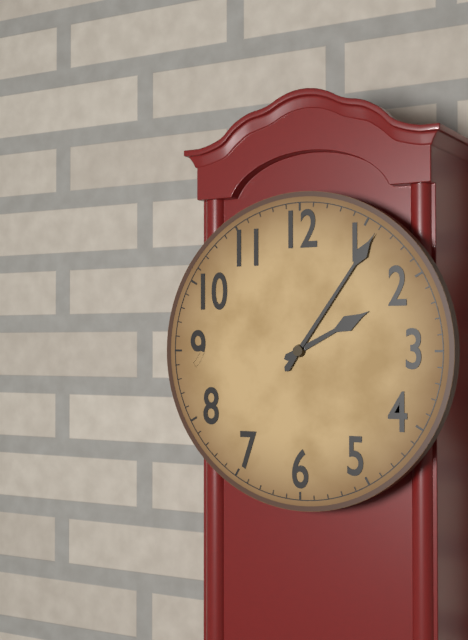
h=2 m=6
